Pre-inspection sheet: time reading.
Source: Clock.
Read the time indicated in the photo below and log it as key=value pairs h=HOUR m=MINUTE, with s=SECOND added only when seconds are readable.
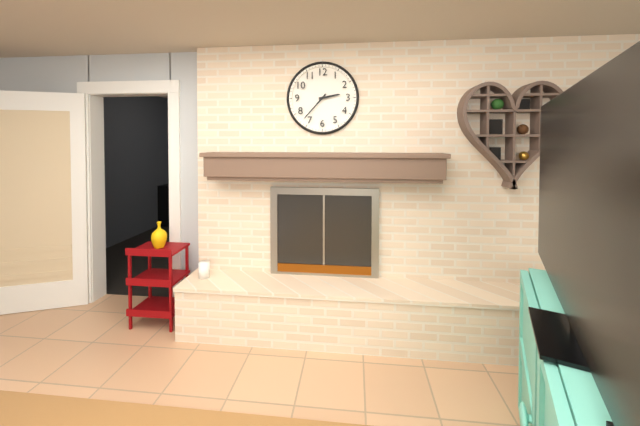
h=2 m=37
